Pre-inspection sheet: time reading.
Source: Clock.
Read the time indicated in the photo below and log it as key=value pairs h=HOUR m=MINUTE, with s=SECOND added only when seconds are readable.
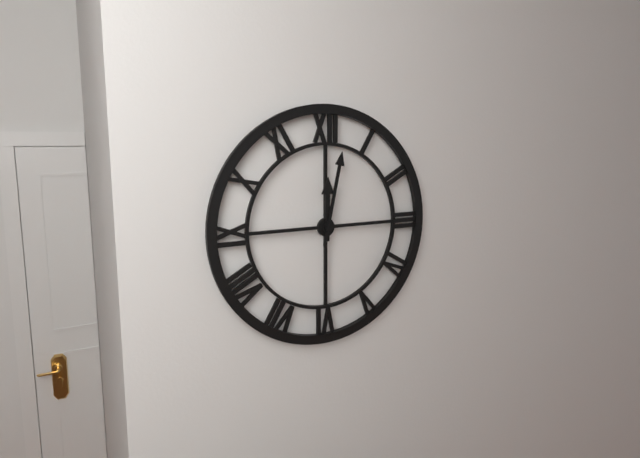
h=12 m=2
